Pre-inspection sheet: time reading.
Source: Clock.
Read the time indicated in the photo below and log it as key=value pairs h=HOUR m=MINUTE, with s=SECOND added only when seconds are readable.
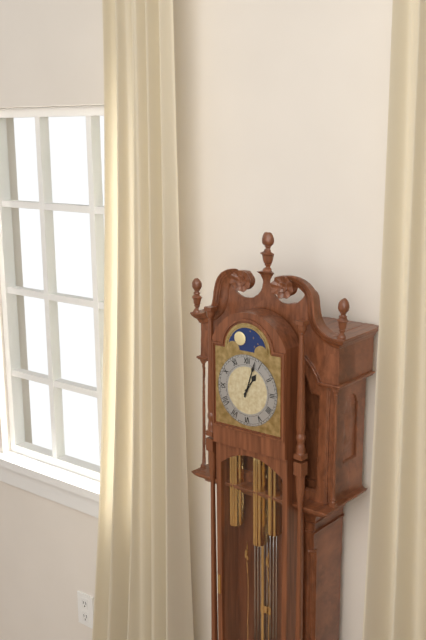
h=1 m=3
